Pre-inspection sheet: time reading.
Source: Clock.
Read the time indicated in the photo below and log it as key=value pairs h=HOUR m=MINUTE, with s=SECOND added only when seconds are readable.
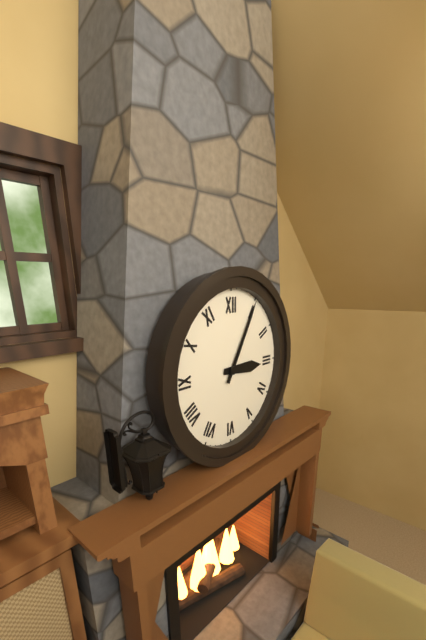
h=3 m=5
